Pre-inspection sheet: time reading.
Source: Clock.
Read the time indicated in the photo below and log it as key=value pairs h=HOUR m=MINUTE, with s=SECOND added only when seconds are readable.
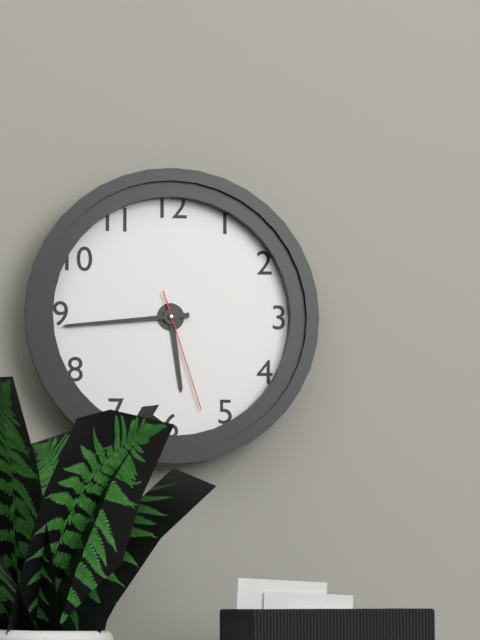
h=5 m=44 s=27
